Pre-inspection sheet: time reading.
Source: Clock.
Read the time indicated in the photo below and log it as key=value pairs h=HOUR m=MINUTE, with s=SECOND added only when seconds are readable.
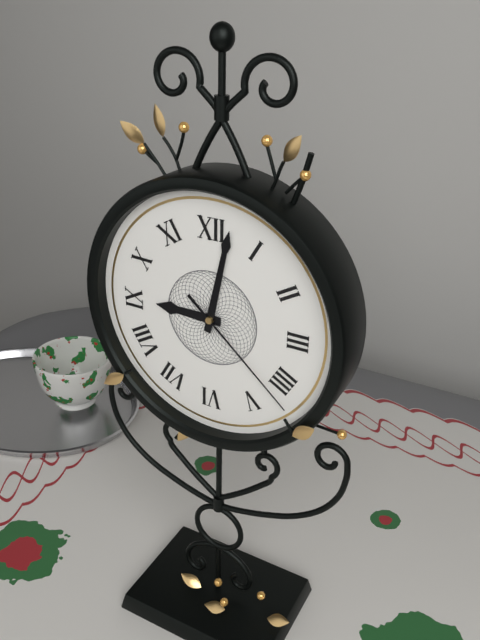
h=9 m=2 s=22
